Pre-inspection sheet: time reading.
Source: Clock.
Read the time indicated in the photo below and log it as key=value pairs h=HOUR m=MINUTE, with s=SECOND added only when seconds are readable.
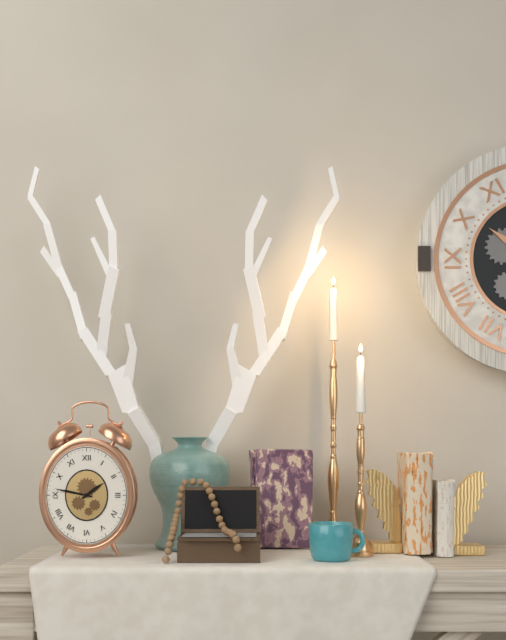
h=1 m=47
